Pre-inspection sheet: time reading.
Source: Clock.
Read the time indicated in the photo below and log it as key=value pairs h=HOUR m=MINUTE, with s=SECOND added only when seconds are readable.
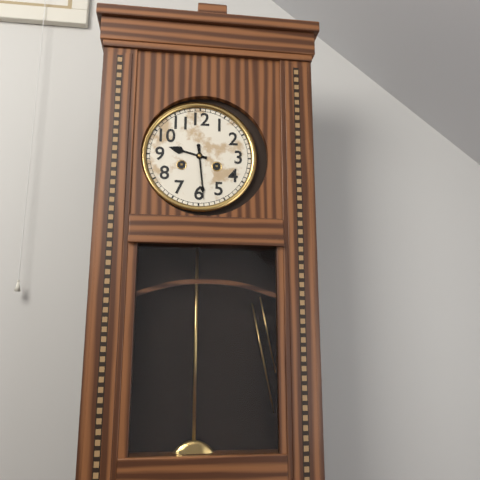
h=9 m=29
